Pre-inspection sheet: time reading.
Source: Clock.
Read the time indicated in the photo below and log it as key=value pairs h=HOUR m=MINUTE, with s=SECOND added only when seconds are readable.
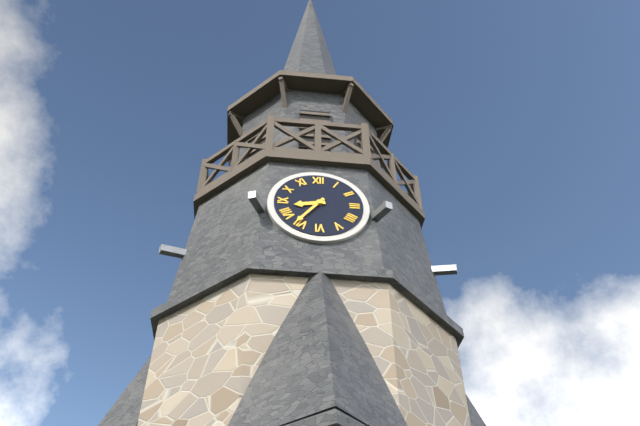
h=8 m=36
